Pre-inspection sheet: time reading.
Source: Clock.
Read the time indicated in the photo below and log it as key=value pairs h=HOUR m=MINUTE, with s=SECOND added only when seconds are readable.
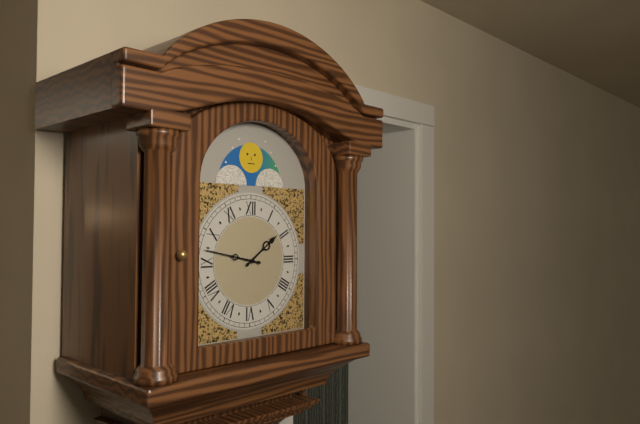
h=1 m=47
